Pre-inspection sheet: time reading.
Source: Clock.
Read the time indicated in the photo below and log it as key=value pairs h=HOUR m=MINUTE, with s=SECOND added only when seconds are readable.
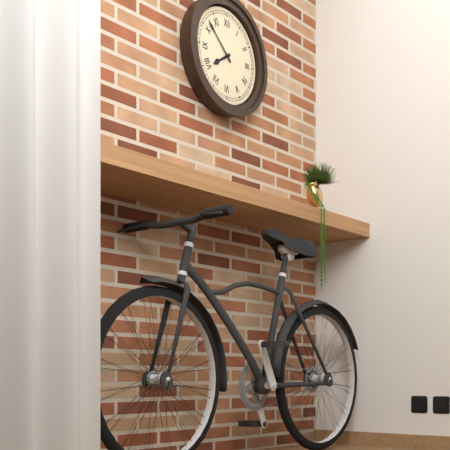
h=7 m=52
